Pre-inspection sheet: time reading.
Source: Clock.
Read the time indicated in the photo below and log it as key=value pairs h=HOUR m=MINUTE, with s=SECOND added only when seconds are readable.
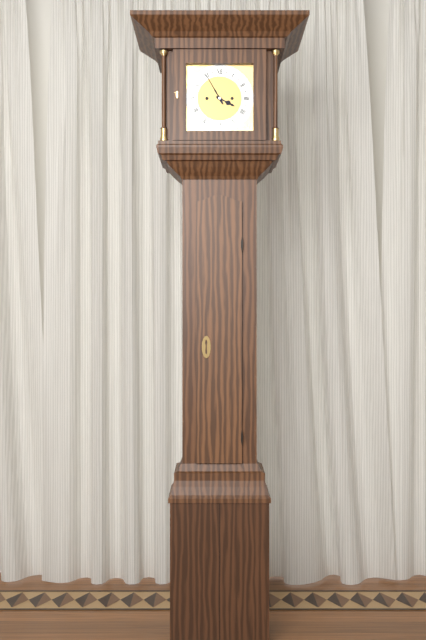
h=3 m=55
